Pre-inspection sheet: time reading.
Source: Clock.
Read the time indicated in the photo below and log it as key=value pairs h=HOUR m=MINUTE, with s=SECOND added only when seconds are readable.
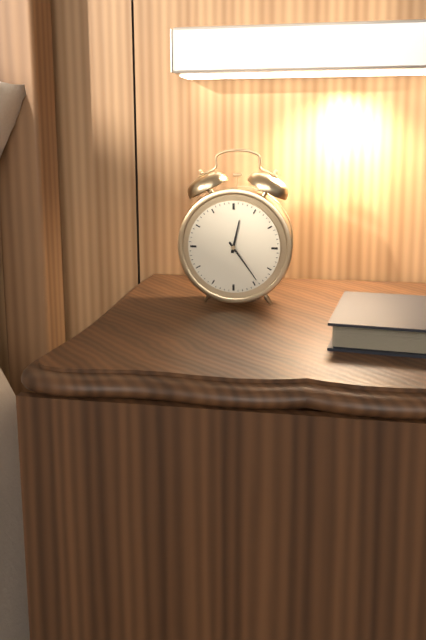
h=12 m=24
